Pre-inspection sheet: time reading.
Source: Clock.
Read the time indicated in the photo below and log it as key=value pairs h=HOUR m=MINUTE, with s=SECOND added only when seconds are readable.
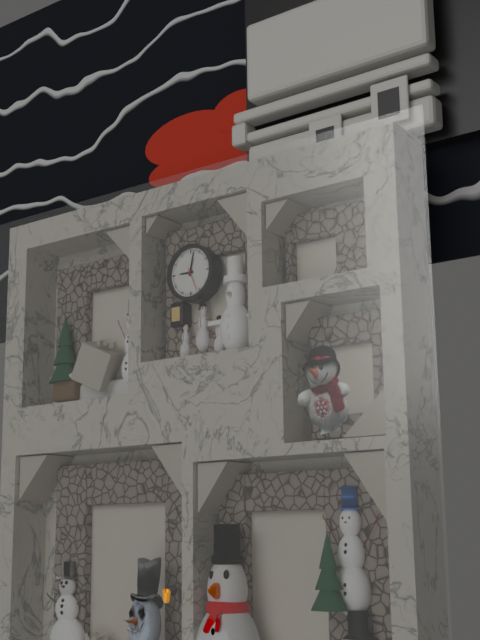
h=9 m=2
